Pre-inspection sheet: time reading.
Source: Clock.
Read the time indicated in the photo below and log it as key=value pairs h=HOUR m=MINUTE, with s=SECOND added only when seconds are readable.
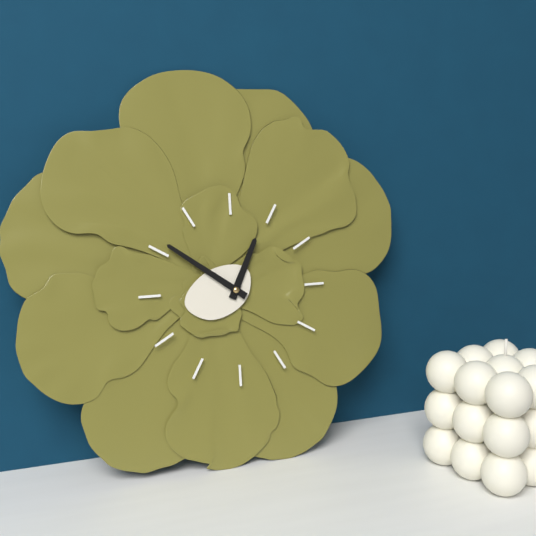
h=12 m=51
